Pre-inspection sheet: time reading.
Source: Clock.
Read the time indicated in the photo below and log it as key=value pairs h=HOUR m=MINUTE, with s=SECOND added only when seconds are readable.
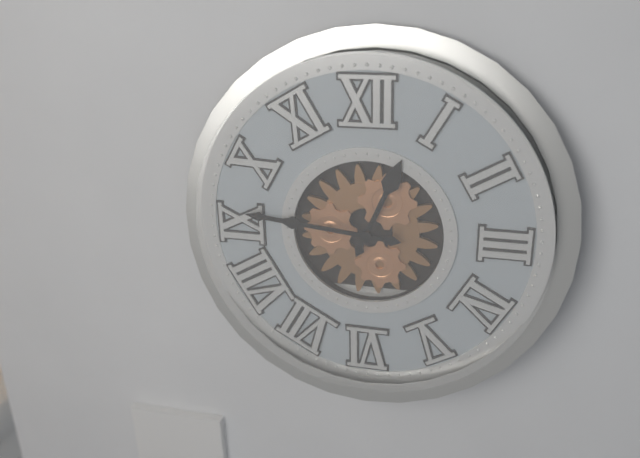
h=12 m=46
